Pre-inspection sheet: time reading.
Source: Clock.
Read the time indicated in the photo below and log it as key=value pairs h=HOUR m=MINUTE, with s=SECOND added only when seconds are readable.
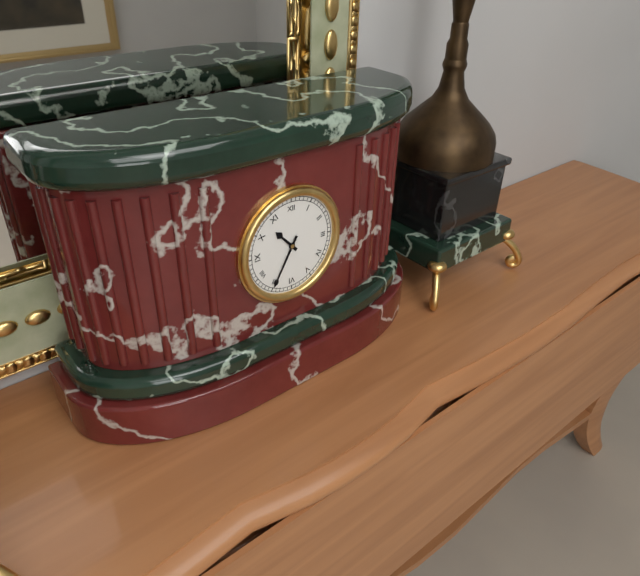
h=10 m=35
